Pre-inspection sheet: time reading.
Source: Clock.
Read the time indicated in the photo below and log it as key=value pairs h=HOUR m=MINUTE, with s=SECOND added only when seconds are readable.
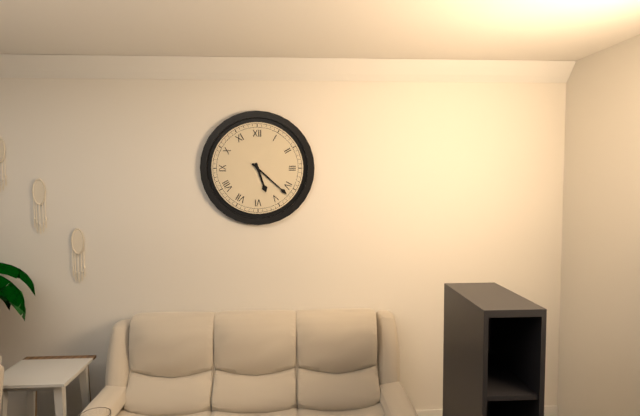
h=5 m=22
